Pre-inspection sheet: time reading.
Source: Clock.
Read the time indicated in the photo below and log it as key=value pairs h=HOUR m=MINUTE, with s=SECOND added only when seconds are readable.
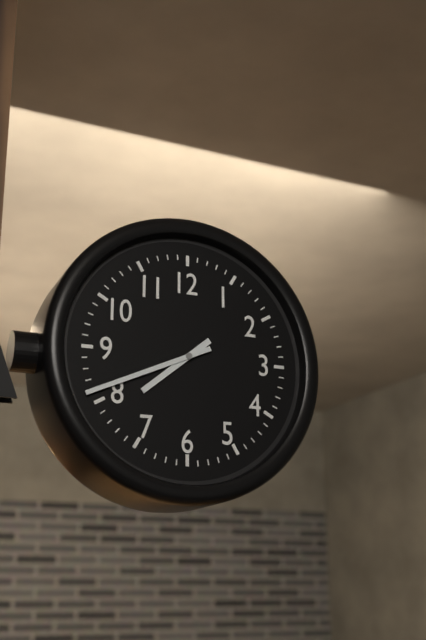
h=7 m=41
